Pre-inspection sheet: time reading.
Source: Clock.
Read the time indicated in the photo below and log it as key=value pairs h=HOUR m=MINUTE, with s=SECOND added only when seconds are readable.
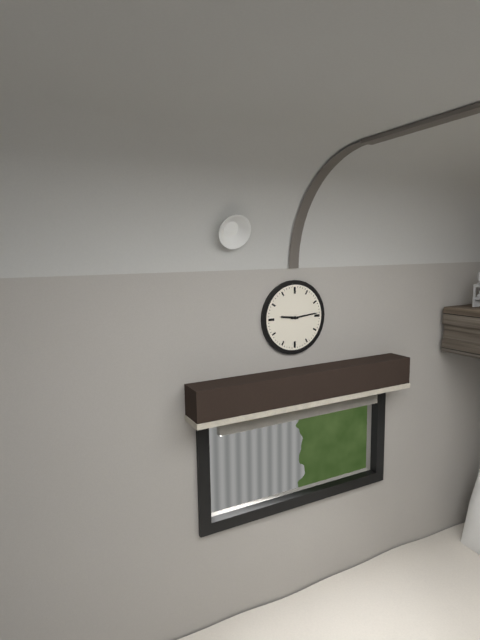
h=9 m=14
